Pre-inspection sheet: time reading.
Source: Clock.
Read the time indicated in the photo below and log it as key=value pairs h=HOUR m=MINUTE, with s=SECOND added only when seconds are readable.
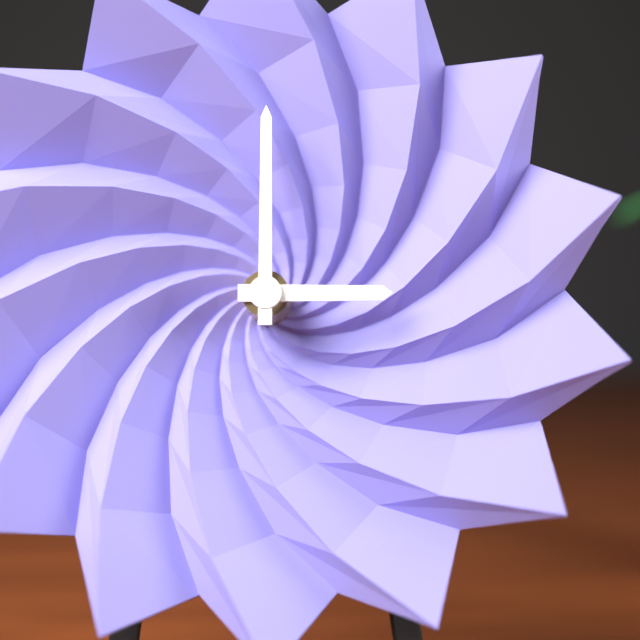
h=3 m=0
